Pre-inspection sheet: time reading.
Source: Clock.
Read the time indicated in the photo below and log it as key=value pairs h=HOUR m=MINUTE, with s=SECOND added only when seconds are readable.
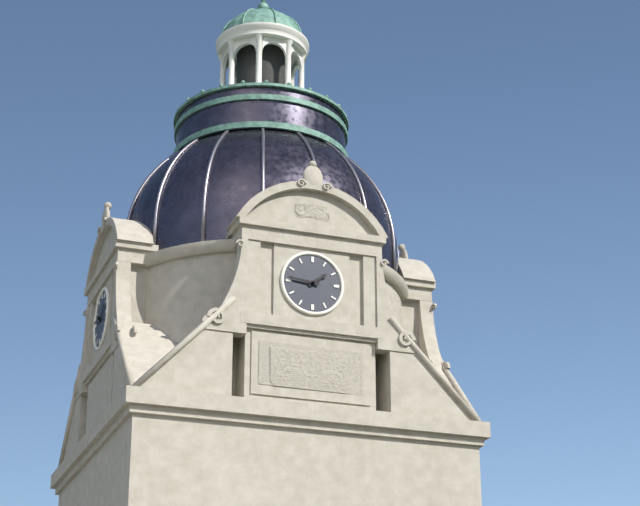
h=1 m=46
